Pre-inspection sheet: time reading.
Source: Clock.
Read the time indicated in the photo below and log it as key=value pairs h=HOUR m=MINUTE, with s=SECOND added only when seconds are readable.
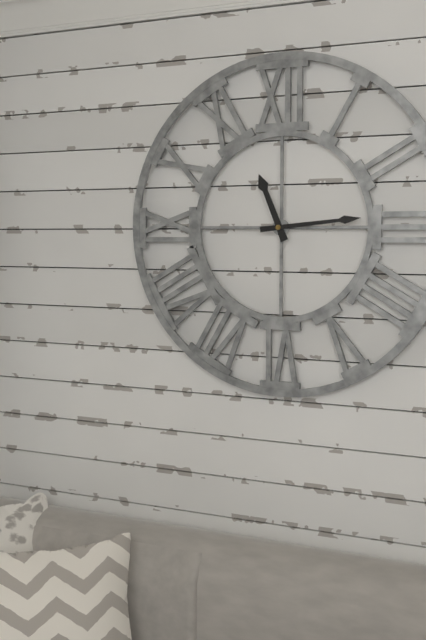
h=11 m=14
